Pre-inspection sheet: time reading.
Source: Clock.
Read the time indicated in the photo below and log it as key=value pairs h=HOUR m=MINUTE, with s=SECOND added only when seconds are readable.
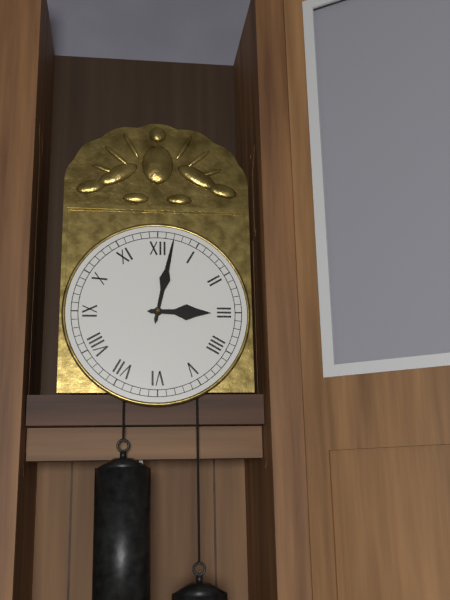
h=3 m=2
